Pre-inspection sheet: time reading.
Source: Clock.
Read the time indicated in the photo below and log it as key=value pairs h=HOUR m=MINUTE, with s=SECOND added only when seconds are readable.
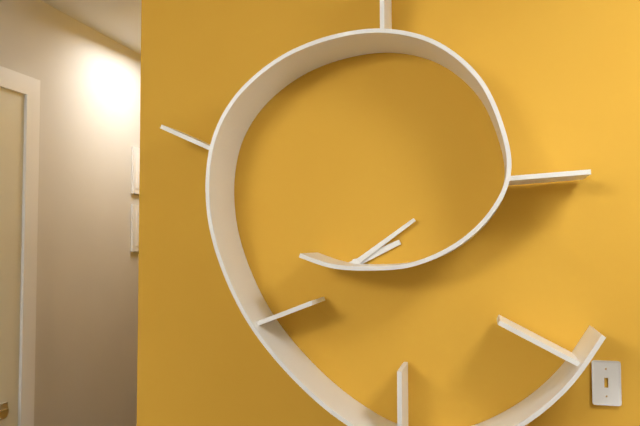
h=2 m=9
